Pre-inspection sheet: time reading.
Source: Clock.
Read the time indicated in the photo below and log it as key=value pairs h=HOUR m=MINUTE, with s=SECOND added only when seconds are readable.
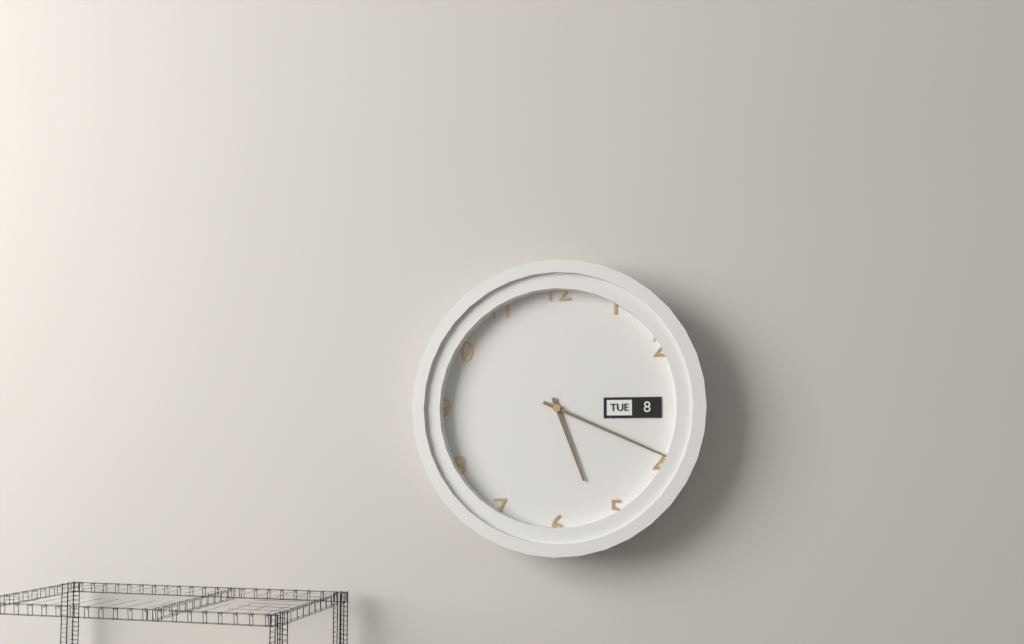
h=5 m=19
